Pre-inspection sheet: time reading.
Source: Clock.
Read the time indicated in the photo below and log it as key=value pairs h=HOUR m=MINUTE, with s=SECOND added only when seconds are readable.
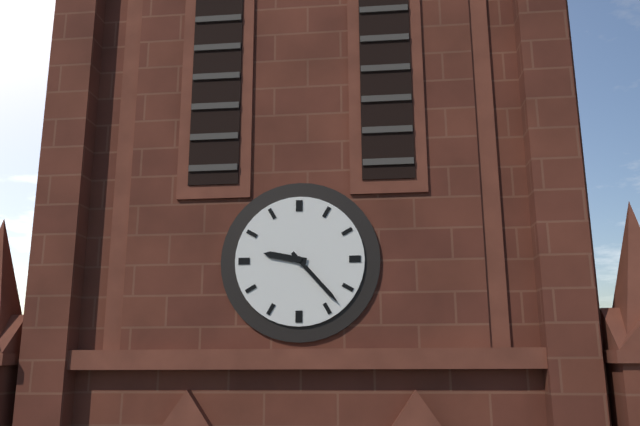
h=9 m=23
